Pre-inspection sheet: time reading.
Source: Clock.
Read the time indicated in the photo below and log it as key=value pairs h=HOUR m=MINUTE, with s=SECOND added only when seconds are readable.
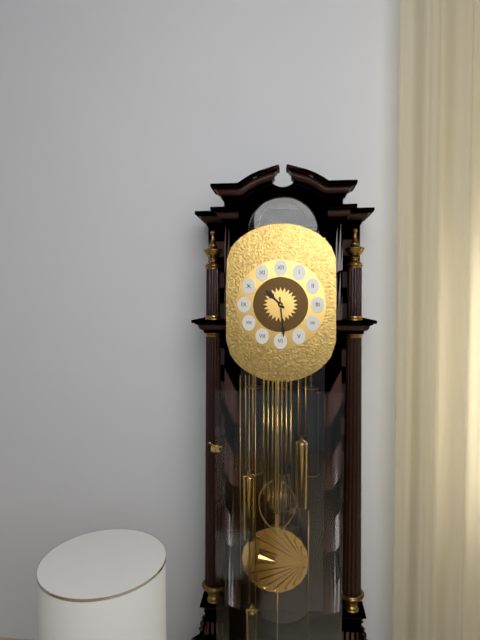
h=10 m=29
